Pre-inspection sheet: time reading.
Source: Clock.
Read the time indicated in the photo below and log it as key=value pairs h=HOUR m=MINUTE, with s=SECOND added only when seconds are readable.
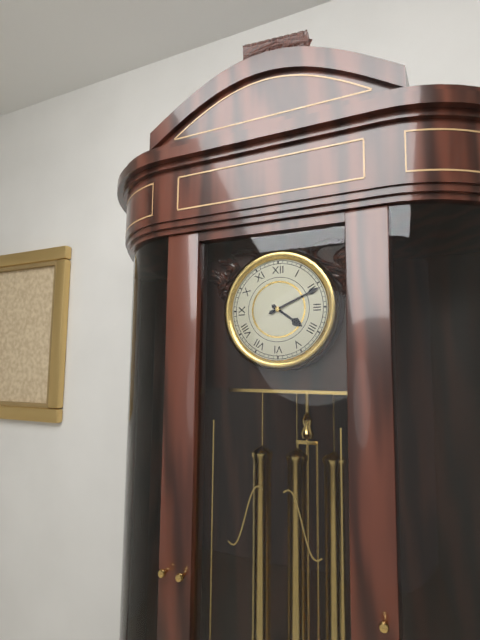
h=4 m=11
